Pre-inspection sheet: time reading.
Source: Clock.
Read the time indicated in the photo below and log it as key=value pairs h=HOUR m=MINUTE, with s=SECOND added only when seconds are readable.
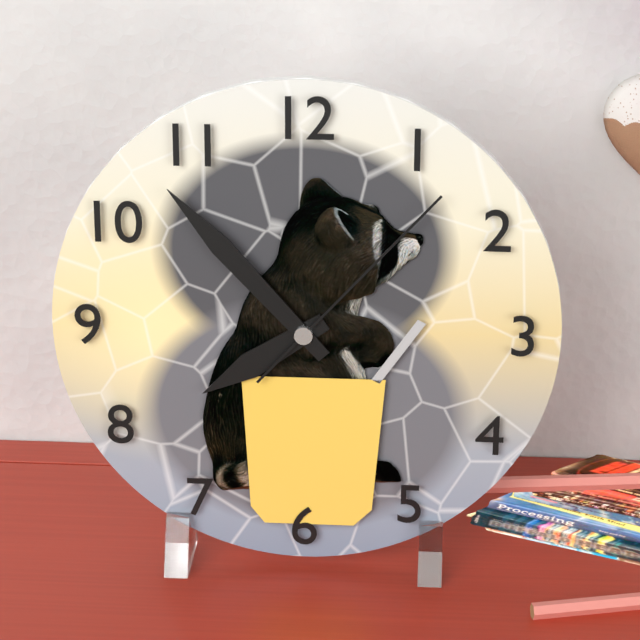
h=7 m=53 s=7
